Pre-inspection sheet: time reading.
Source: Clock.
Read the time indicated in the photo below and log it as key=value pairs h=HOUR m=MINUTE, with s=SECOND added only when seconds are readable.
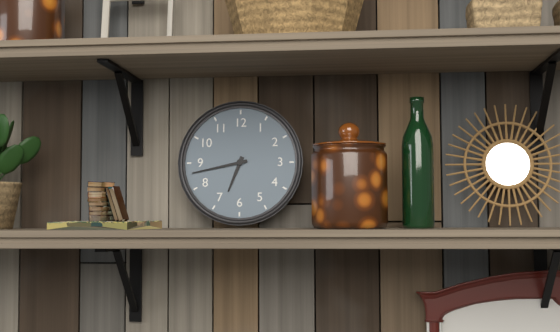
h=6 m=43
